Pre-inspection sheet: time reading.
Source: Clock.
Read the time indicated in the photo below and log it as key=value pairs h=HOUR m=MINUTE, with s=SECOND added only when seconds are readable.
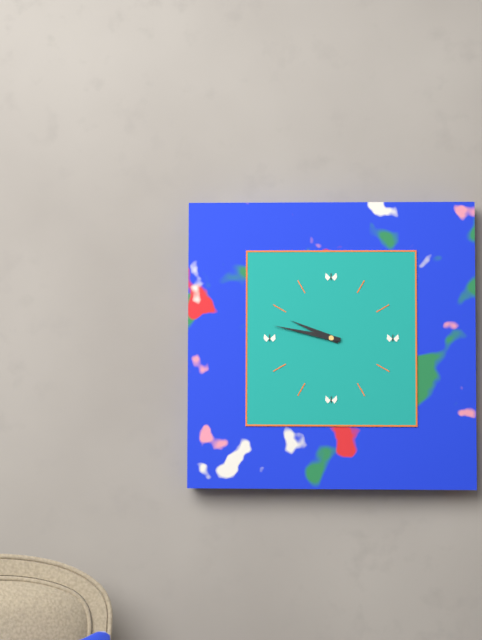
h=9 m=47
